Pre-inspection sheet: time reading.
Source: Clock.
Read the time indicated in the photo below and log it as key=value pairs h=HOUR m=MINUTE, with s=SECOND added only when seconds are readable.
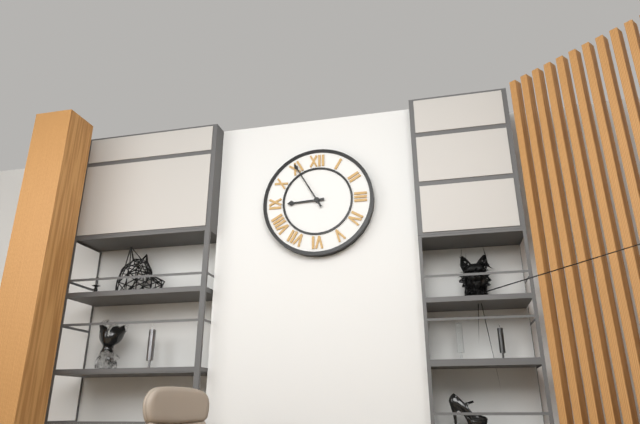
h=8 m=55
